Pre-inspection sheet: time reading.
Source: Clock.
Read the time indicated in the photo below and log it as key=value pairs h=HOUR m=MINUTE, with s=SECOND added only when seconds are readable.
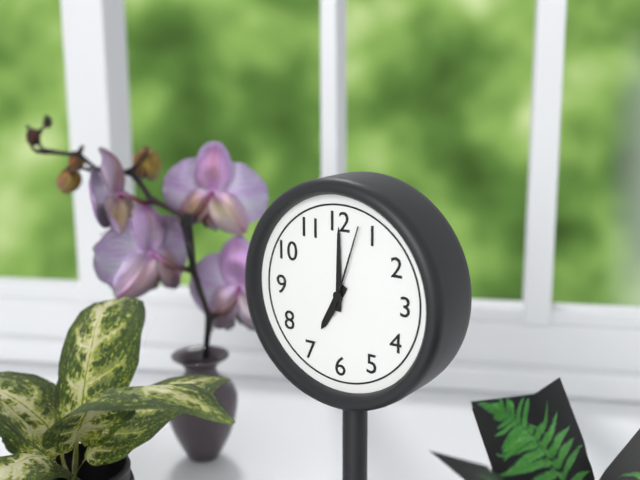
h=7 m=0 s=3
